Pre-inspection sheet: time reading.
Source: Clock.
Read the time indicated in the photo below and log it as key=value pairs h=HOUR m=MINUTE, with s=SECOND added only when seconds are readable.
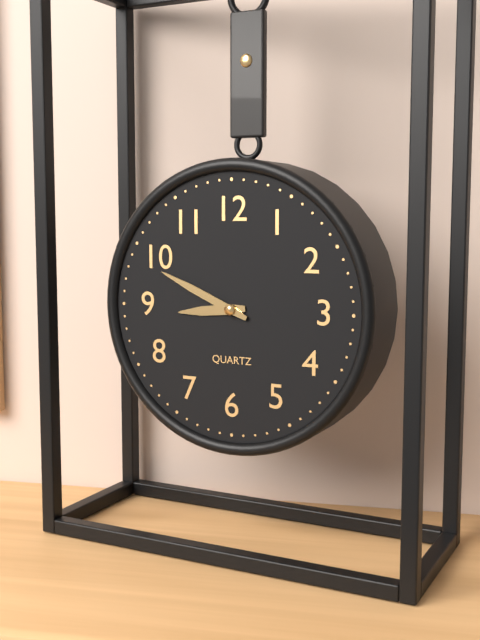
h=8 m=49
